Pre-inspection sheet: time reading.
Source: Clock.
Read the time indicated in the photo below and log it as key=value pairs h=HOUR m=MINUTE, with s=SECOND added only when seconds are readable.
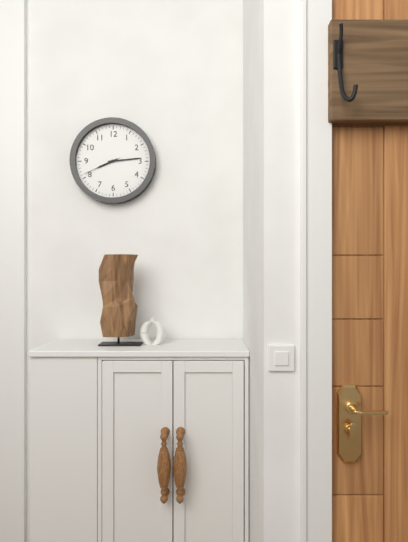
h=8 m=14
